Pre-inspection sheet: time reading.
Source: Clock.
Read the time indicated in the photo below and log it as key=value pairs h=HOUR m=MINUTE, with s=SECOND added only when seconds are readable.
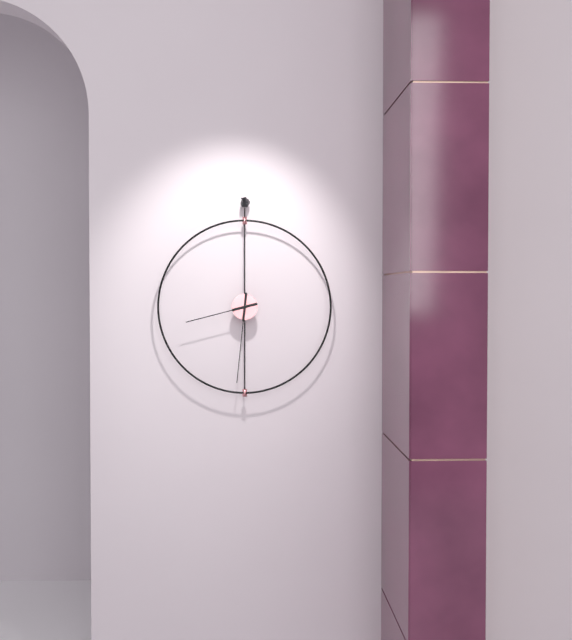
h=8 m=31
